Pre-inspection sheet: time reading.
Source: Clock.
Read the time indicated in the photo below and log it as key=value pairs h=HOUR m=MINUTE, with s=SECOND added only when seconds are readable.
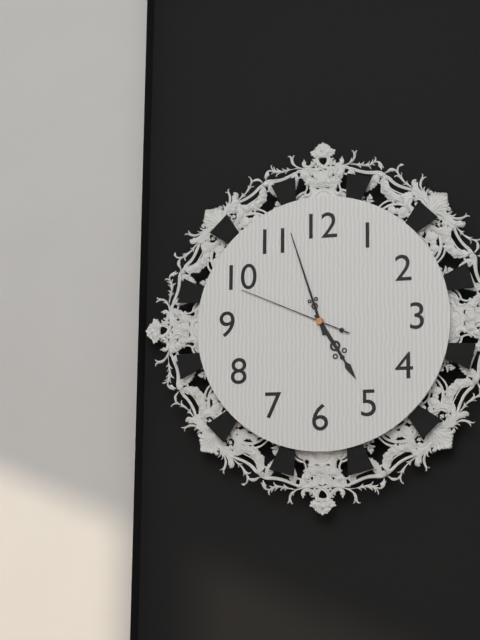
h=4 m=57 s=49
